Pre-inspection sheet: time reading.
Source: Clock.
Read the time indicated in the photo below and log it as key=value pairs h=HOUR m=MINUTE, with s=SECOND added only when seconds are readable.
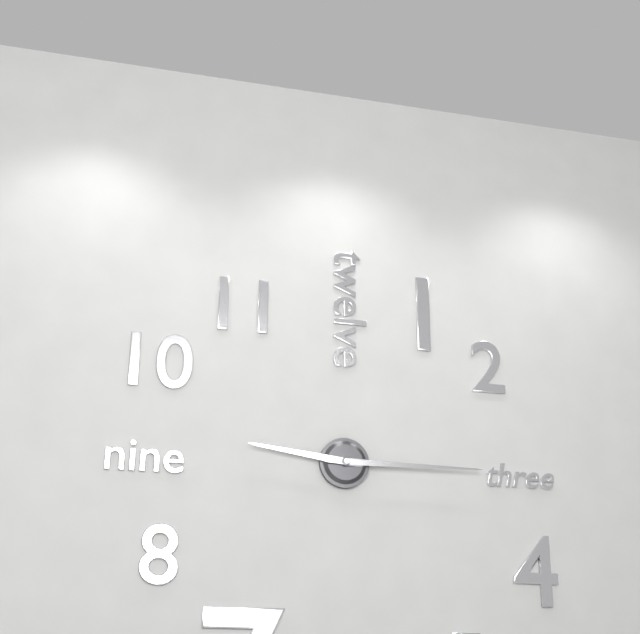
h=9 m=15
